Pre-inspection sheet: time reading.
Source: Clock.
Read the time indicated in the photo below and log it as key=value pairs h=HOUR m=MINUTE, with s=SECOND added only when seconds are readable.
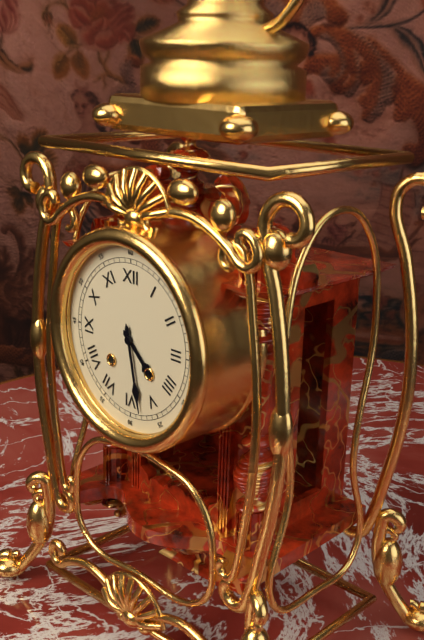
h=4 m=28
